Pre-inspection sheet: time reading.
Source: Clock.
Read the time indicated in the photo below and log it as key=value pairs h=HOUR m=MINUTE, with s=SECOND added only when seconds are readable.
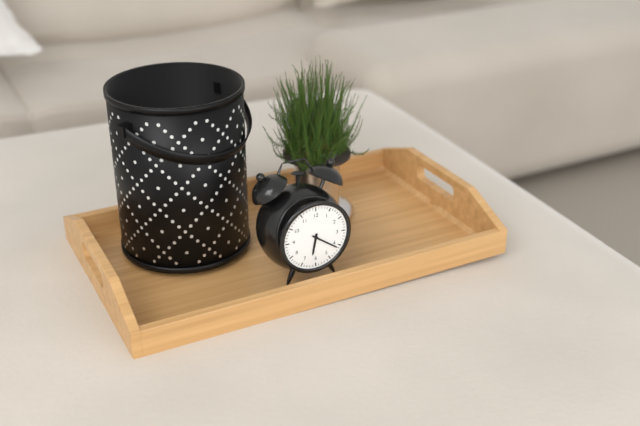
h=6 m=21
